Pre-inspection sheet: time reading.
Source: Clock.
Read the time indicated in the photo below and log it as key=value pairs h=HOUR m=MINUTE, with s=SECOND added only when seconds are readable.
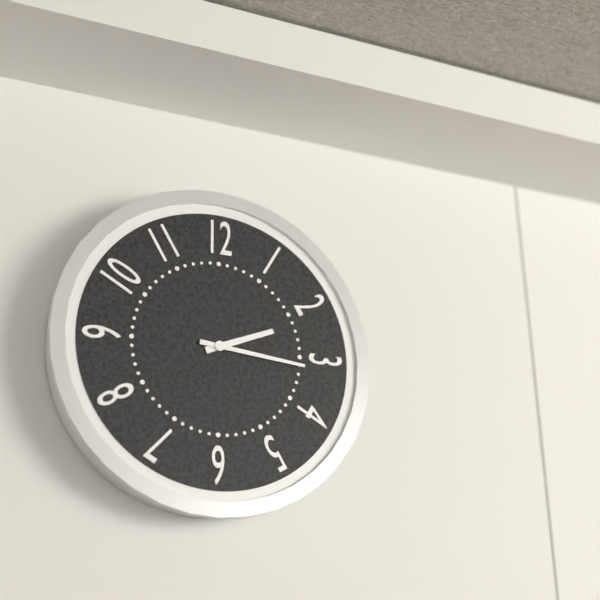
h=2 m=16
